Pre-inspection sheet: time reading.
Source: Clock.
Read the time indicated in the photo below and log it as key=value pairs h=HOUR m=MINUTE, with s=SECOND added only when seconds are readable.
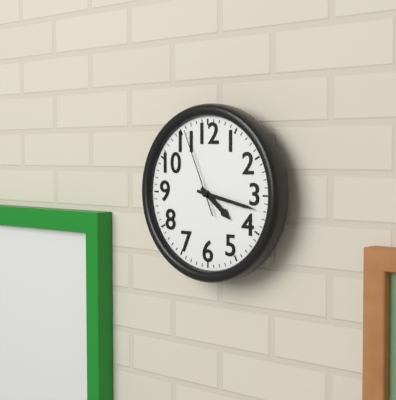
h=4 m=17 s=56
